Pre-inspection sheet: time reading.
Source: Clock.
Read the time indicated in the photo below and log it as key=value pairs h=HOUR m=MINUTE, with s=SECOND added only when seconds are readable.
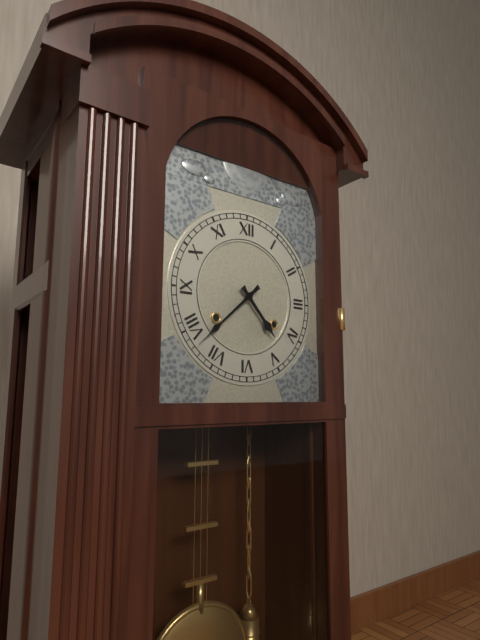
h=4 m=38
